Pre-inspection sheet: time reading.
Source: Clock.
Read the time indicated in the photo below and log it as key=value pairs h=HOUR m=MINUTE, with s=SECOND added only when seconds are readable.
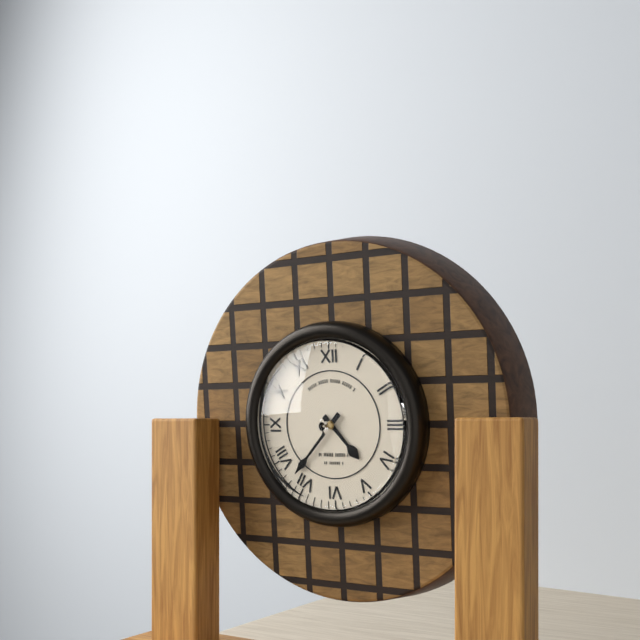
h=4 m=37
